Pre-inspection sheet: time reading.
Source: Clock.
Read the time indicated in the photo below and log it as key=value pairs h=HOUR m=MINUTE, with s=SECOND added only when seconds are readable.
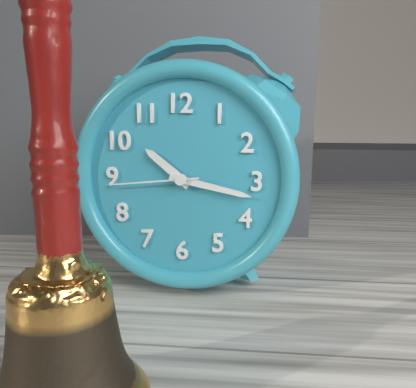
h=10 m=17 s=44
